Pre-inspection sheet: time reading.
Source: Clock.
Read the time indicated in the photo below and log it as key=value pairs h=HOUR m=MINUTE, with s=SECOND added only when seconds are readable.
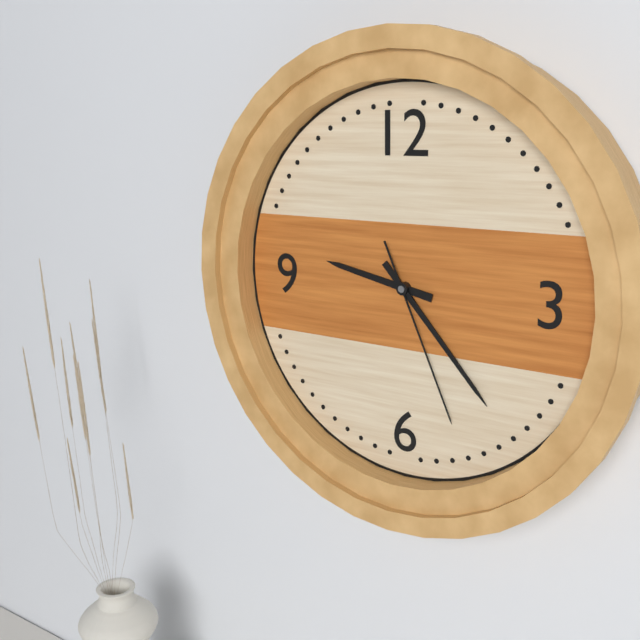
h=9 m=23 s=26
